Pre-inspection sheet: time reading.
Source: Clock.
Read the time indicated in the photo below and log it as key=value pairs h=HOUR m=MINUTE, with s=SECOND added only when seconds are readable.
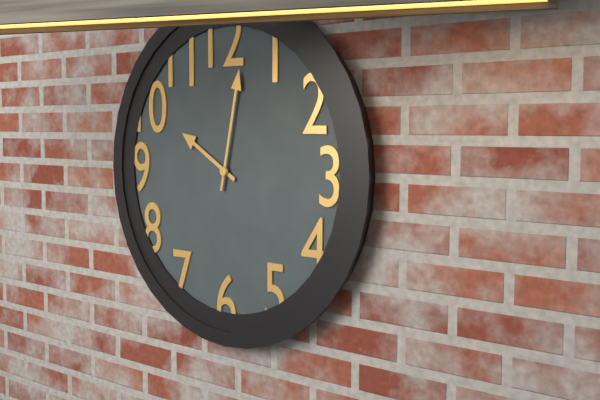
h=10 m=2
